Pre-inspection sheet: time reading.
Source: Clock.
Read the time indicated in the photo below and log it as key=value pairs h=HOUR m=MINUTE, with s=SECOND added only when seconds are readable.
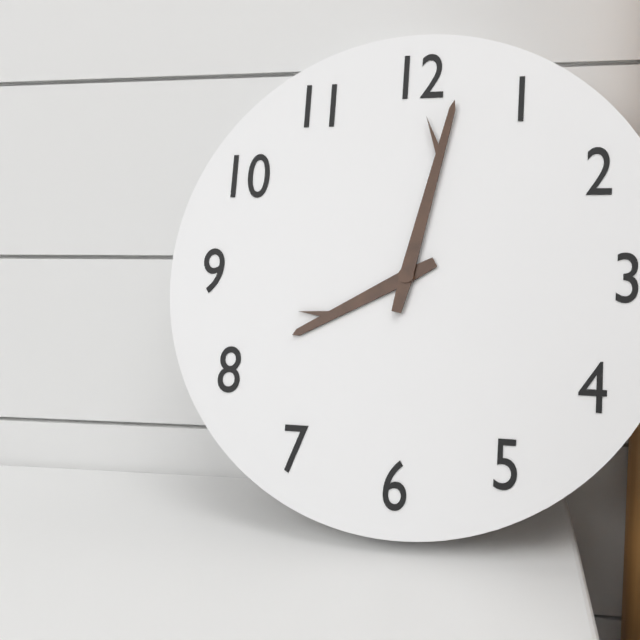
h=8 m=2
